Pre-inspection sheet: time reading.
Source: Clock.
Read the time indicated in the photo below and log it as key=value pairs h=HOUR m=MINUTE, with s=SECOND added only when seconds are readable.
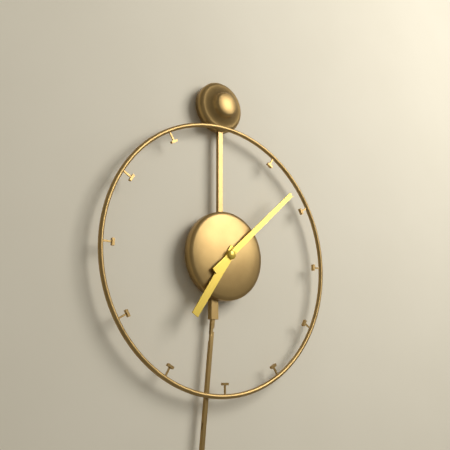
h=7 m=8
